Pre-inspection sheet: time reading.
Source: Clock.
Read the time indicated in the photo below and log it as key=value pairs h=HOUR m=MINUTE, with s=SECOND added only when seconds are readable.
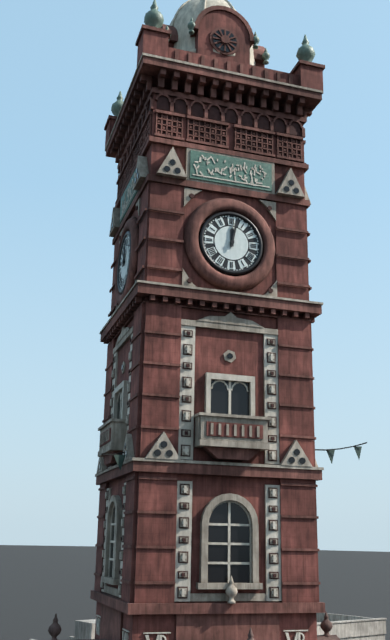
h=12 m=2
